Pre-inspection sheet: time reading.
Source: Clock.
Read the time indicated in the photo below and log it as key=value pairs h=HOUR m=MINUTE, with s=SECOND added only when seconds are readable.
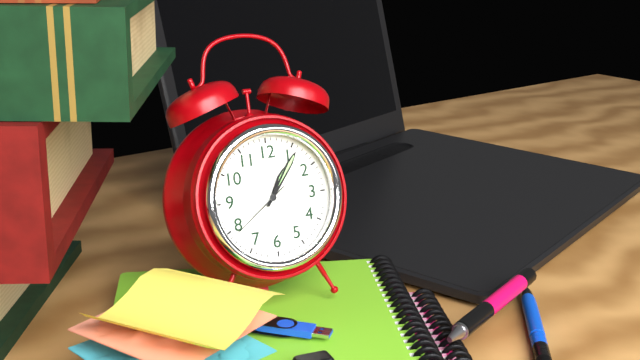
h=1 m=6 s=39
